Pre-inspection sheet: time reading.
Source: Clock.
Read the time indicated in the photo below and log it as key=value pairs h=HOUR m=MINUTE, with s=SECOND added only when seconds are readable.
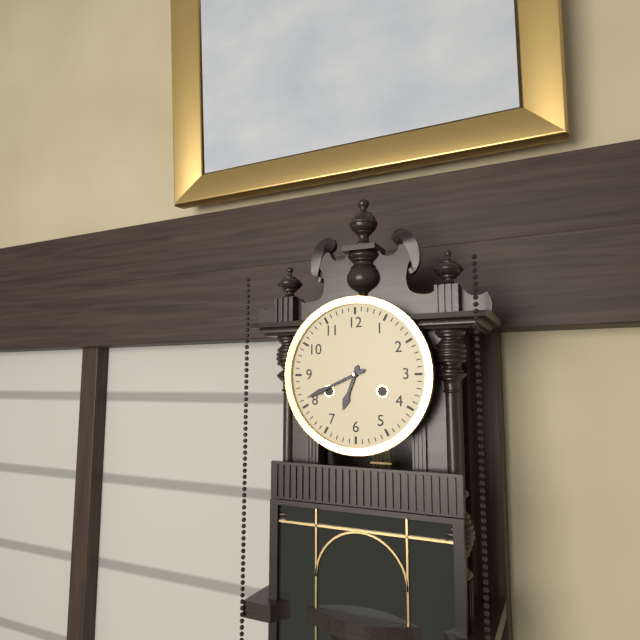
h=6 m=41
